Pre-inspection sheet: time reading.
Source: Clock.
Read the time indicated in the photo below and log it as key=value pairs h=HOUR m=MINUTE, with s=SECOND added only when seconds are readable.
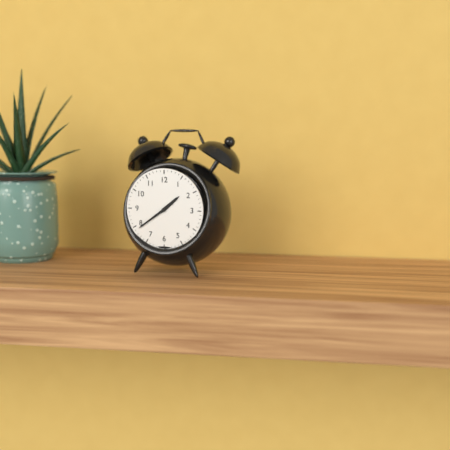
h=1 m=39
